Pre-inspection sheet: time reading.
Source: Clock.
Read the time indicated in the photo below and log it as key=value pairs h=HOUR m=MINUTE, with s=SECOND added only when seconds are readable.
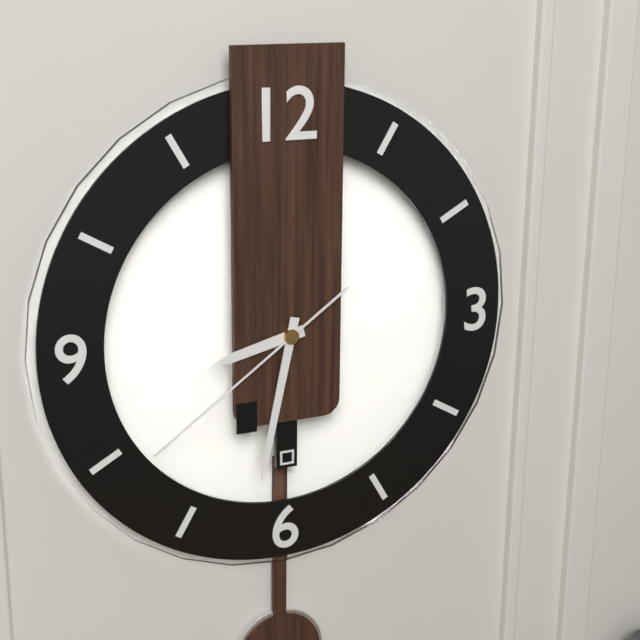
h=8 m=32 s=39
